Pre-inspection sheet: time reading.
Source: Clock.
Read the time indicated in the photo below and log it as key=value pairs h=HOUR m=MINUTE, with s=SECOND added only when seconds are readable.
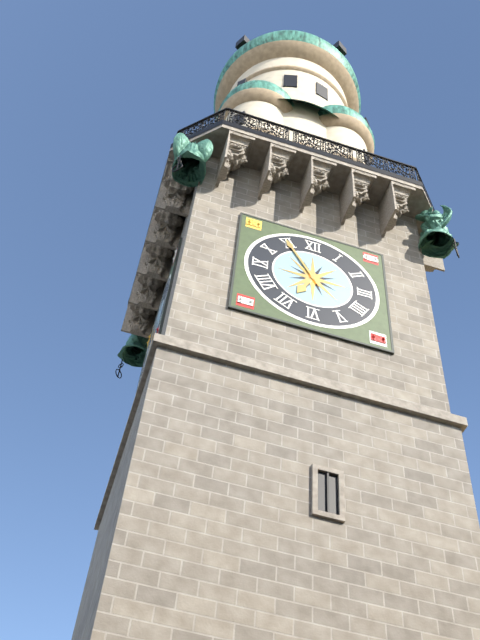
h=6 m=55
